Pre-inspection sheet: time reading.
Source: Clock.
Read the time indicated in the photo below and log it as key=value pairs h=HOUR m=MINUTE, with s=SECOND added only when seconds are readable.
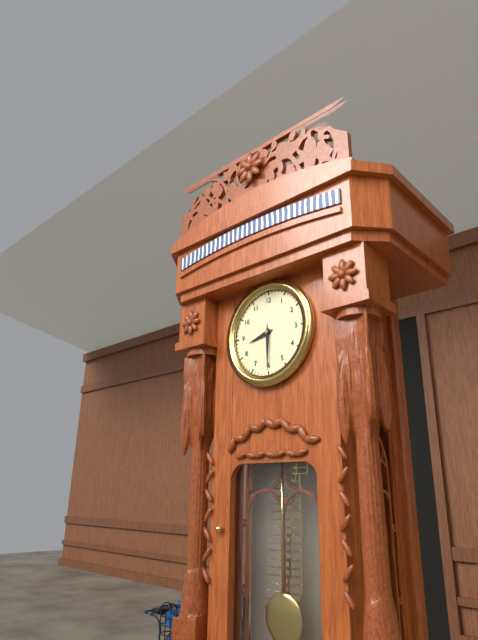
h=8 m=30
